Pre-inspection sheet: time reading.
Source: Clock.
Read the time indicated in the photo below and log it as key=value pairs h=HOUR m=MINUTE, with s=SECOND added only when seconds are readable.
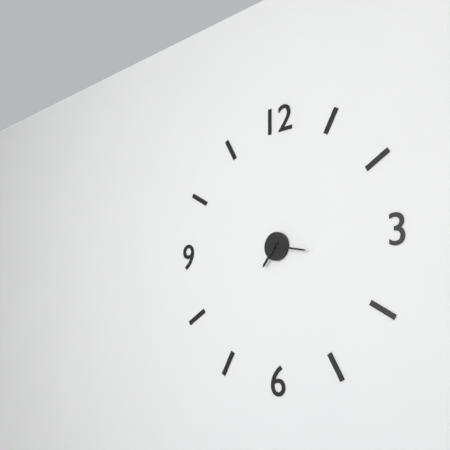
h=7 m=17
